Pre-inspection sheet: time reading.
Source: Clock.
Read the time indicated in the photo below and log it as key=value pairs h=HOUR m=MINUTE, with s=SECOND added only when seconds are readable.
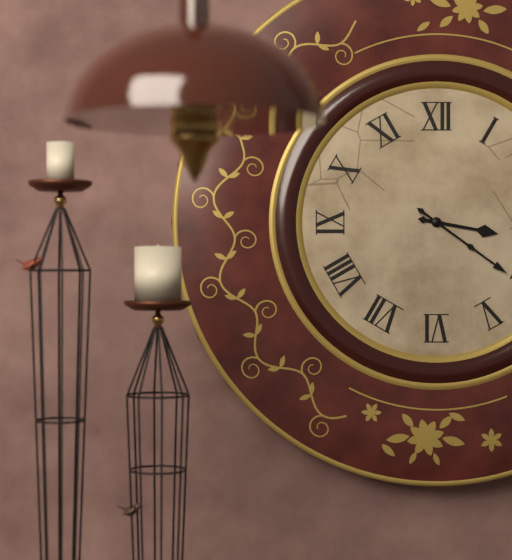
h=3 m=21
